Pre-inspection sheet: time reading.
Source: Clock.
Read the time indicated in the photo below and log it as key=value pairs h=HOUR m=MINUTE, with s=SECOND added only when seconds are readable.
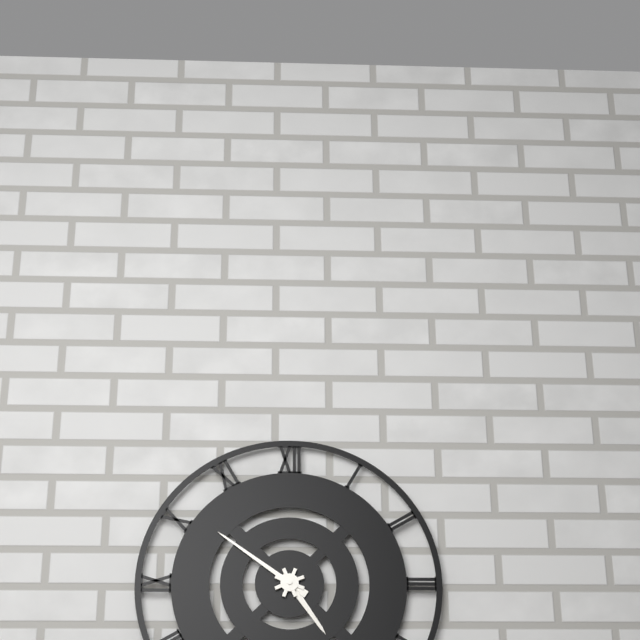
h=4 m=51
